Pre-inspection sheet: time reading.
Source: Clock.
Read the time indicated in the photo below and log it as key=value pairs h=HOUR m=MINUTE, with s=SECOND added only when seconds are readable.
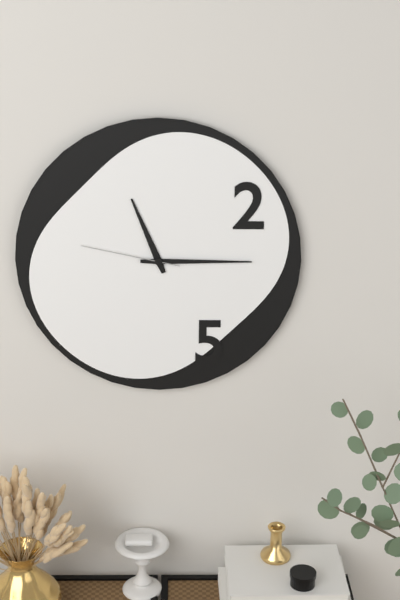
h=11 m=15 s=47
